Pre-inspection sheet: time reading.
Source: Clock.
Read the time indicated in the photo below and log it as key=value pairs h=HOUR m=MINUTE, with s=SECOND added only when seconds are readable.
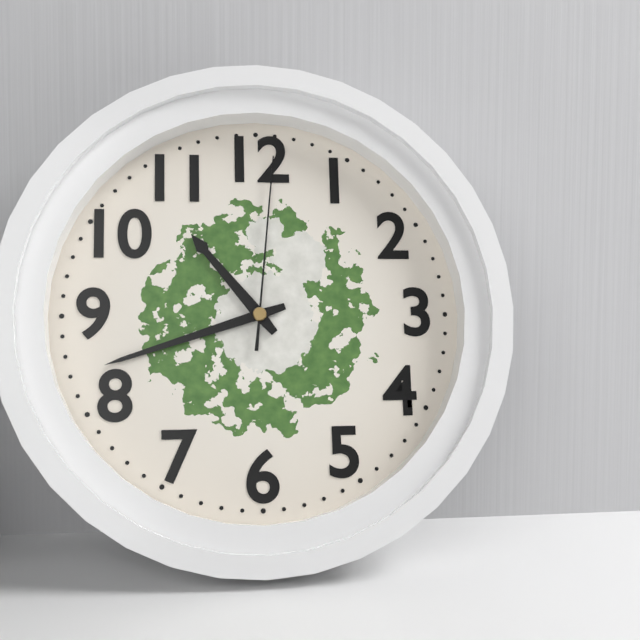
h=10 m=42 s=1
